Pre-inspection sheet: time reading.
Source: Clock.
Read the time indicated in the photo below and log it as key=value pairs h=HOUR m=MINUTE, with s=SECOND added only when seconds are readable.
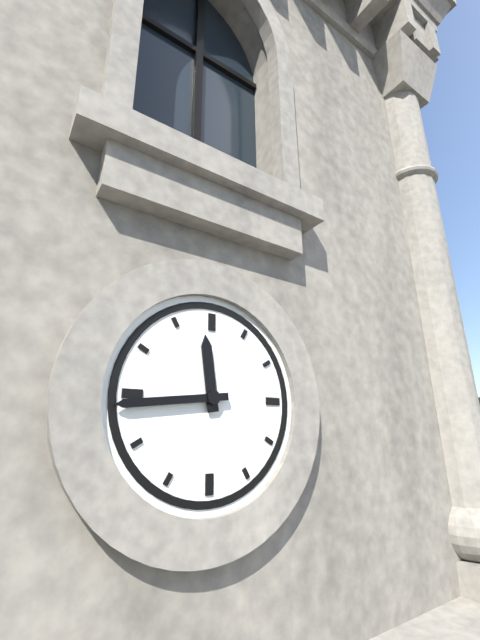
h=11 m=44
